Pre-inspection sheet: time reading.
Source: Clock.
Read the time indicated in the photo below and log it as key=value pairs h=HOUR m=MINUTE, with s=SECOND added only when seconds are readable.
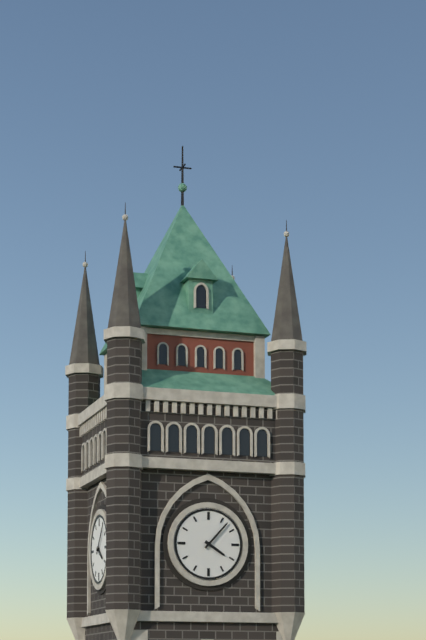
h=4 m=7
